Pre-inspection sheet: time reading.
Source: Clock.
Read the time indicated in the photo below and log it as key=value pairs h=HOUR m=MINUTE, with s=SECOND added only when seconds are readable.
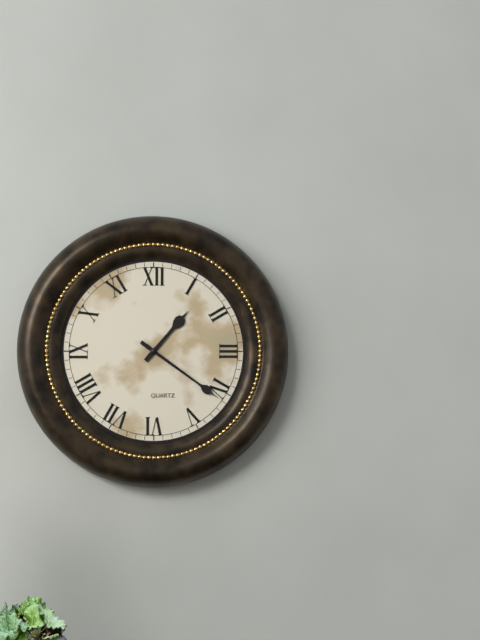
h=1 m=21
